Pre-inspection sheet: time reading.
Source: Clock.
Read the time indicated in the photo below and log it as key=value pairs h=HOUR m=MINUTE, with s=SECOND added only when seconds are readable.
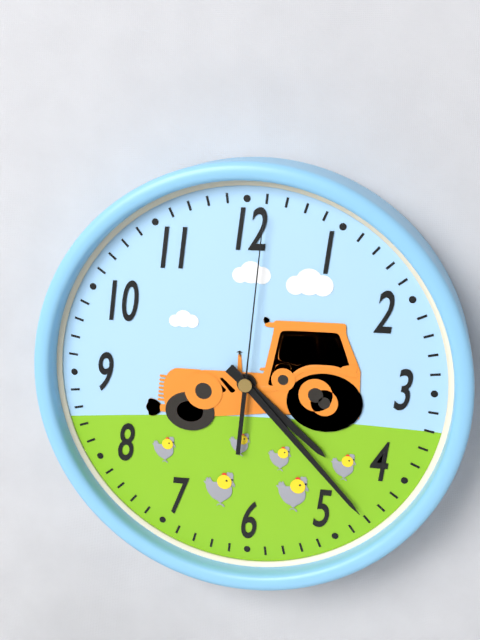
h=4 m=23 s=1
